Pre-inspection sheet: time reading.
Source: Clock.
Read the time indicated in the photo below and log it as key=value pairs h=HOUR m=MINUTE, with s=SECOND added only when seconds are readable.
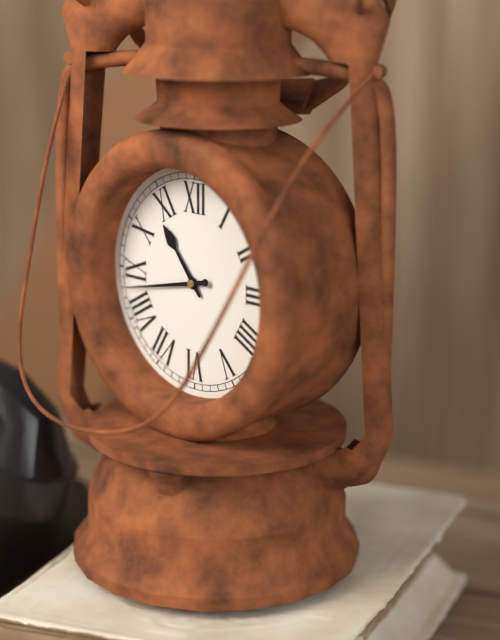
h=10 m=43
